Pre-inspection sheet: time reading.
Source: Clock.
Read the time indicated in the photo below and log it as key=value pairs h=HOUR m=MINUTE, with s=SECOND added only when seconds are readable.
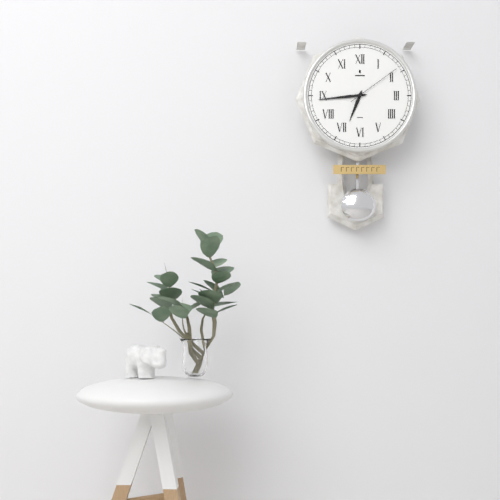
h=6 m=44 s=9
